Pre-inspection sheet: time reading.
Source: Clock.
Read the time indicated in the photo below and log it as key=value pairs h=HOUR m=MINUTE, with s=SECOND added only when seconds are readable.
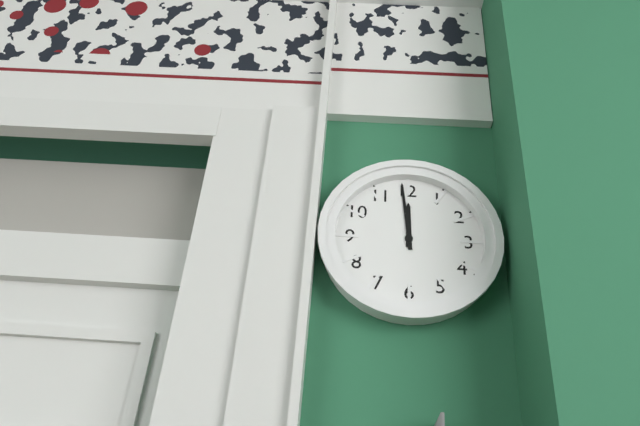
h=11 m=59
